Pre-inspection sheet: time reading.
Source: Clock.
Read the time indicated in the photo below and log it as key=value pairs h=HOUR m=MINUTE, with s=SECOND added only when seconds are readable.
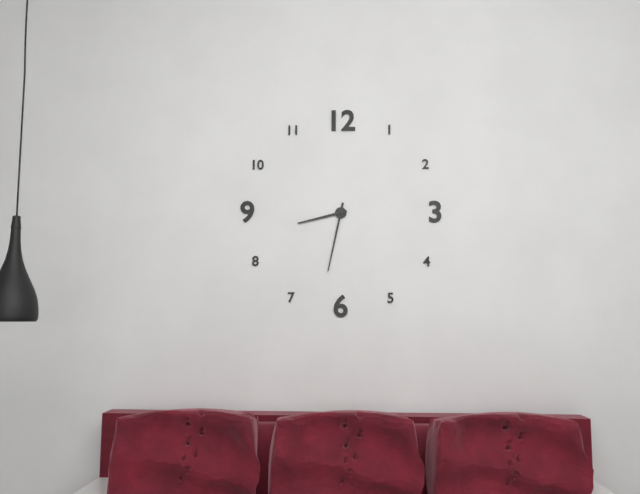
h=8 m=32
